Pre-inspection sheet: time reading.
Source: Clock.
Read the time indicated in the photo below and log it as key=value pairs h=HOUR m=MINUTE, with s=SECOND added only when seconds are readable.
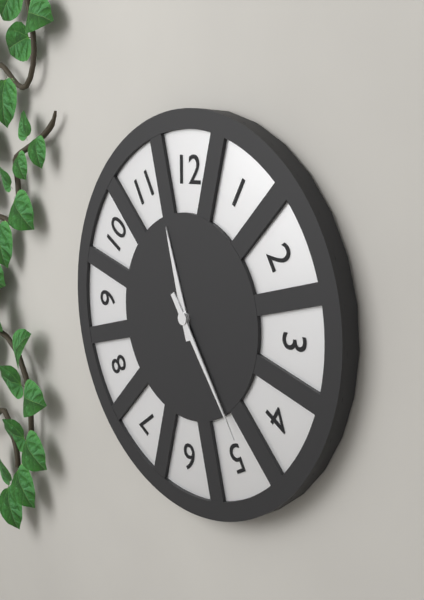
h=11 m=24
